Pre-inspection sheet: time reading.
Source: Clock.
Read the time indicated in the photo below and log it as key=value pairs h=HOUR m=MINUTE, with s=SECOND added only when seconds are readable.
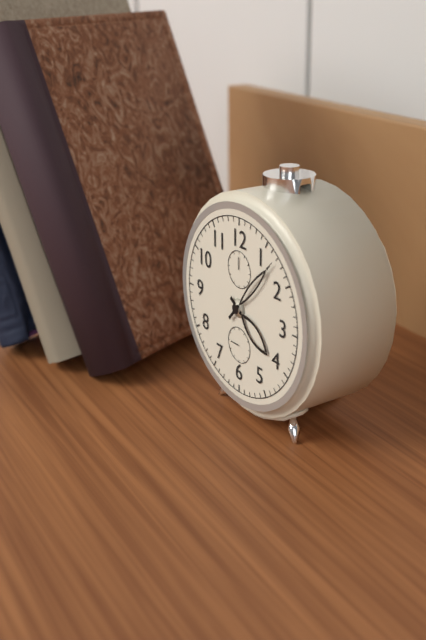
h=4 m=7
